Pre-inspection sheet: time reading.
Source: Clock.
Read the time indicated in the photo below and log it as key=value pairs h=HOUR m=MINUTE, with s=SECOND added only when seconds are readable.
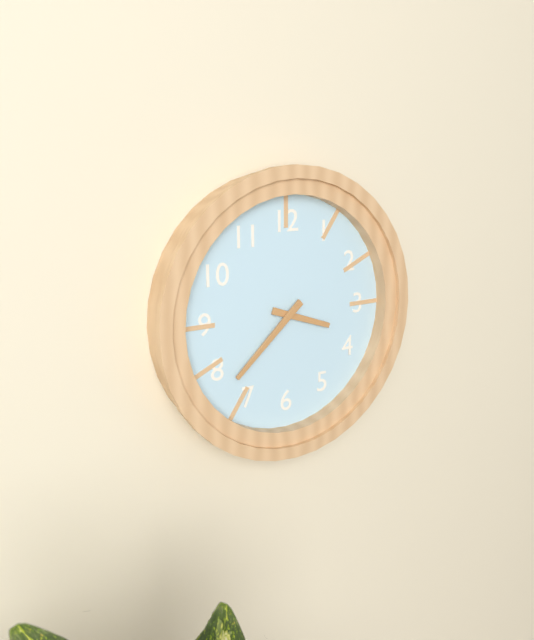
h=3 m=38
